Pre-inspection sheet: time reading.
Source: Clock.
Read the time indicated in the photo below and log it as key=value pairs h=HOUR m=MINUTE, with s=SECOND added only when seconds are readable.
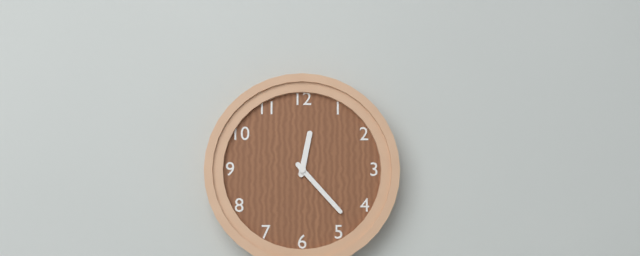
h=12 m=23
